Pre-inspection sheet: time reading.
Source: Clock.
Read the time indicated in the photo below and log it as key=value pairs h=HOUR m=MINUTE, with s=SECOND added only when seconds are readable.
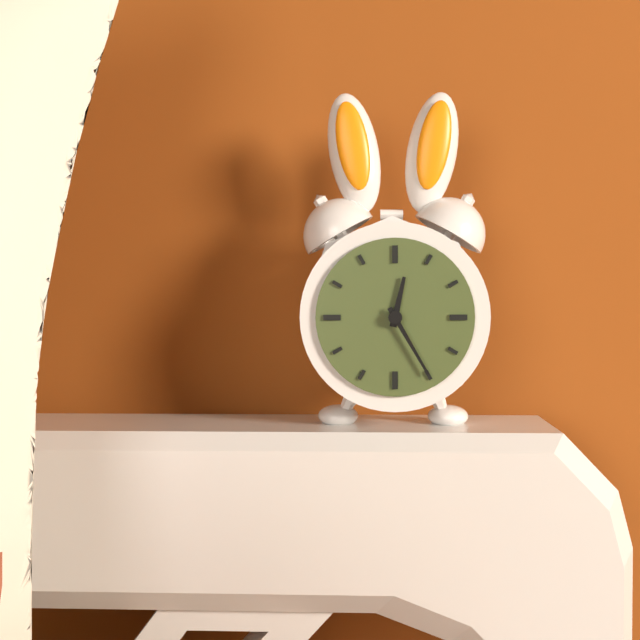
h=12 m=25
